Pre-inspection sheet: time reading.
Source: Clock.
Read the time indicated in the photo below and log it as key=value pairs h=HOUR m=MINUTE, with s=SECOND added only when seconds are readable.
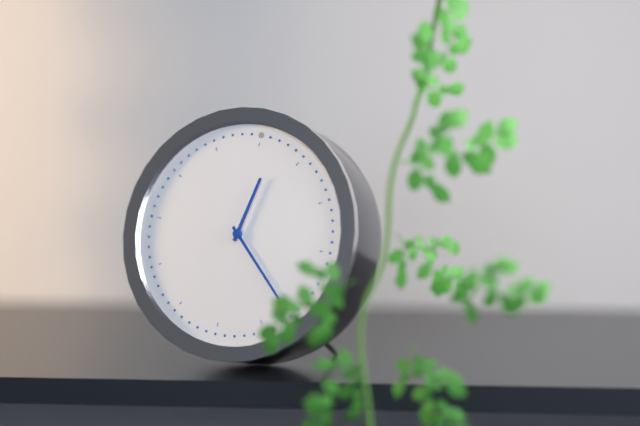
h=12 m=22
